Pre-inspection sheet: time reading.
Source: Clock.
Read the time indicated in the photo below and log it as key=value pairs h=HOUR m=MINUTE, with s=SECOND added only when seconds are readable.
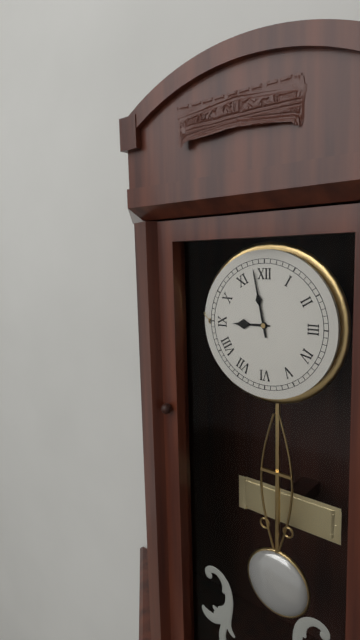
h=8 m=58
